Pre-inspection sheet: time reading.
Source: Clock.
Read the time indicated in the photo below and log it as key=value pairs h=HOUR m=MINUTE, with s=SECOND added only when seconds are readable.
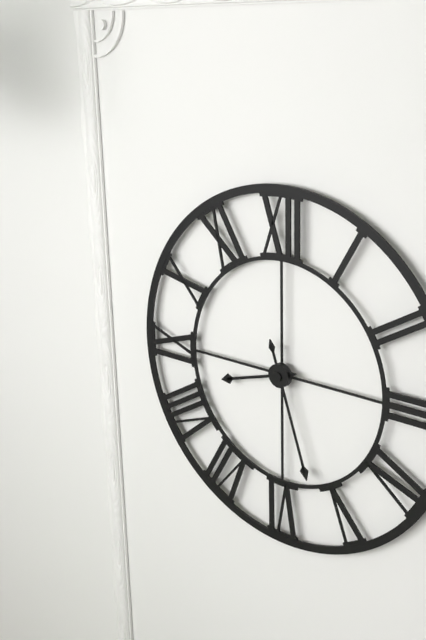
h=8 m=27
